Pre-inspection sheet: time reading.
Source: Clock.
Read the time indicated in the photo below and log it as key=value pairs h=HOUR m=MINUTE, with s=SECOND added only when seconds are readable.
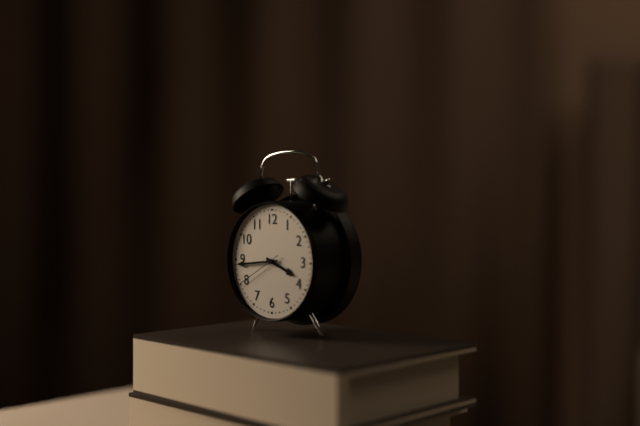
h=3 m=44 s=40
